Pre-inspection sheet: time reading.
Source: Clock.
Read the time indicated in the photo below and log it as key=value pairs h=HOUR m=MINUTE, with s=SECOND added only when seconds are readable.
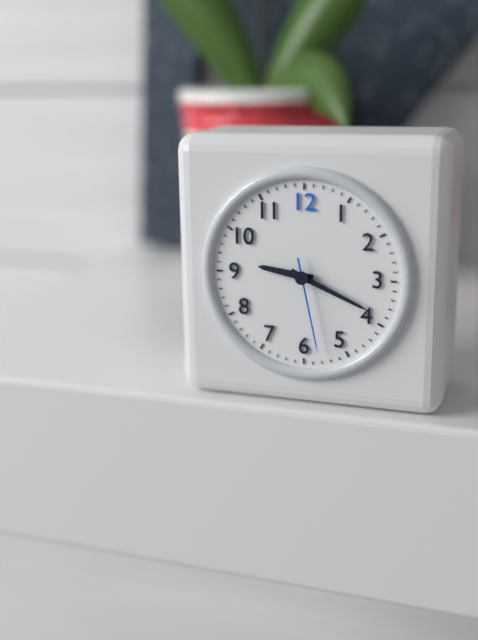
h=9 m=19 s=28
